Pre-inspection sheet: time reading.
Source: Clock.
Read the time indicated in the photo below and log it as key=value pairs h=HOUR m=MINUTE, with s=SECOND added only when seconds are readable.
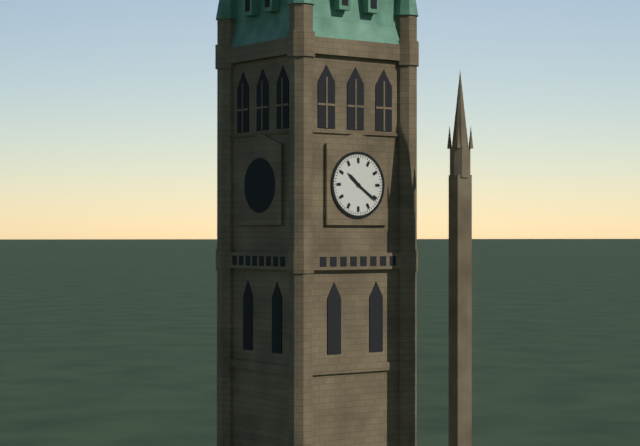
h=10 m=21
